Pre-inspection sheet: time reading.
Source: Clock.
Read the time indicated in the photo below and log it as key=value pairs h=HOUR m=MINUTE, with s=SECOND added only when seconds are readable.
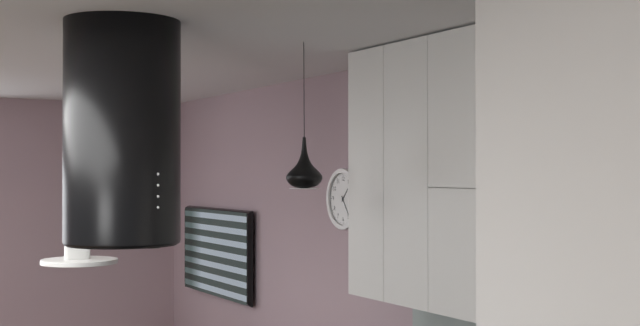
h=1 m=24
